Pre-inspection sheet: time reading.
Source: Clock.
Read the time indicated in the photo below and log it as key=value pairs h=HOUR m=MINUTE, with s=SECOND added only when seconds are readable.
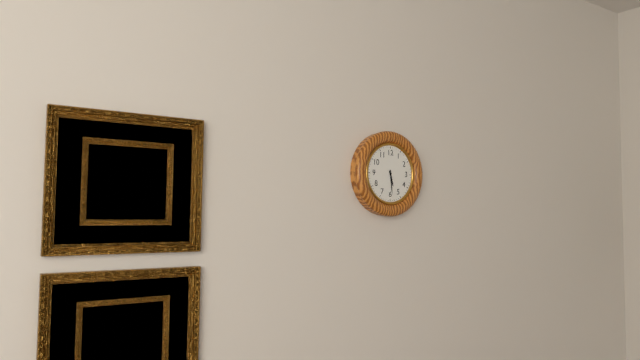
h=5 m=29
